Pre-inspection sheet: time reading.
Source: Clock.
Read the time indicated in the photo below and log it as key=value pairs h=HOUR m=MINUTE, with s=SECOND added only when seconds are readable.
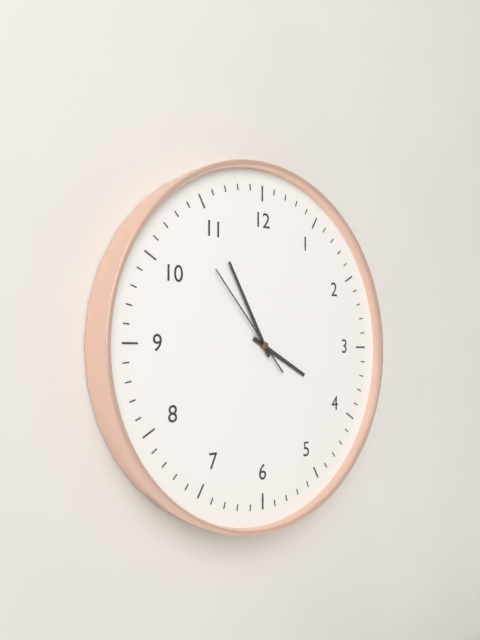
h=3 m=55 s=53
